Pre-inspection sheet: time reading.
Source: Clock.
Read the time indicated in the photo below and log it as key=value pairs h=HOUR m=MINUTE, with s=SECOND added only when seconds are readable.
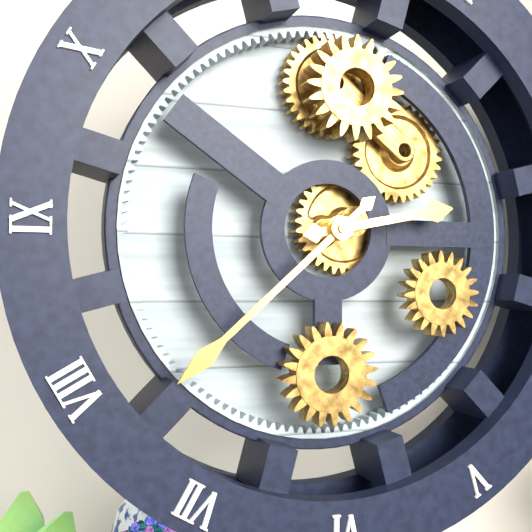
h=2 m=38
